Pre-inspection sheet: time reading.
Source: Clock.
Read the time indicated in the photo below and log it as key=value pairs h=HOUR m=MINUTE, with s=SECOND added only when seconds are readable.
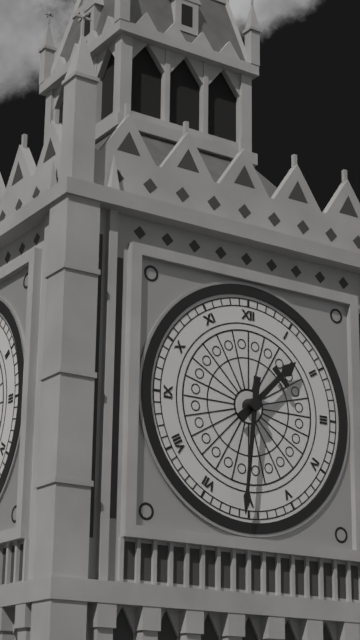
h=1 m=31
